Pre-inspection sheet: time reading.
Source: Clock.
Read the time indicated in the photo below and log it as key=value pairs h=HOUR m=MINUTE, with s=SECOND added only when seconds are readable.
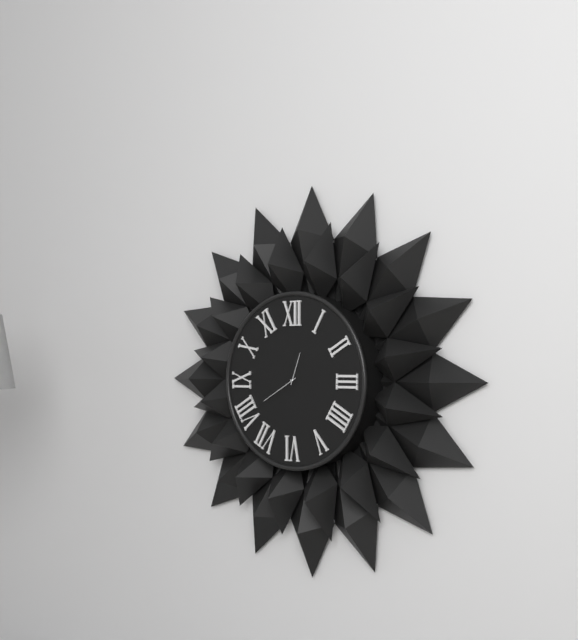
h=12 m=40
